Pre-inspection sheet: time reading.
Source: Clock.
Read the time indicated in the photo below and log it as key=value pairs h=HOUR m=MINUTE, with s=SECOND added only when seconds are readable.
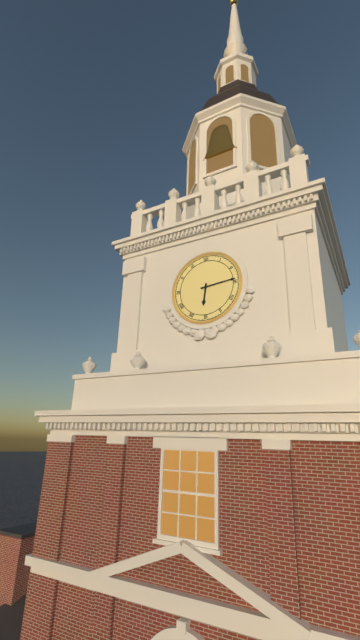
h=6 m=14
